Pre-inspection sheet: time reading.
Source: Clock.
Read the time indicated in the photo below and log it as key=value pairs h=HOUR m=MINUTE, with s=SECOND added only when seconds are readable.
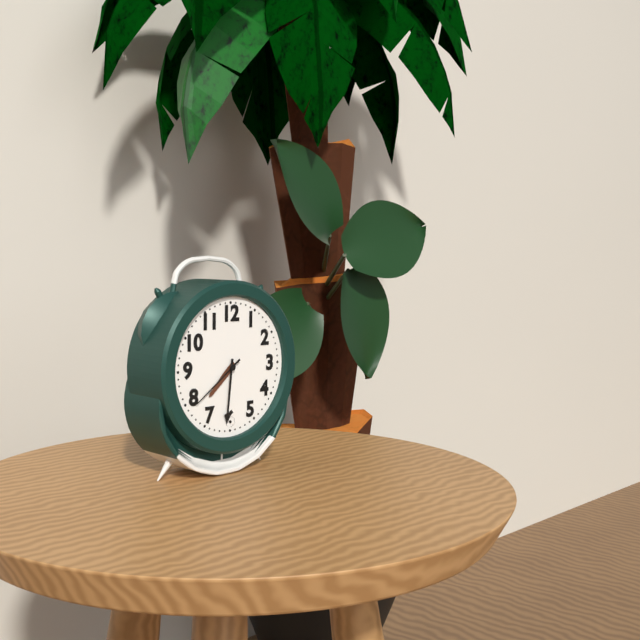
h=7 m=31 s=39
